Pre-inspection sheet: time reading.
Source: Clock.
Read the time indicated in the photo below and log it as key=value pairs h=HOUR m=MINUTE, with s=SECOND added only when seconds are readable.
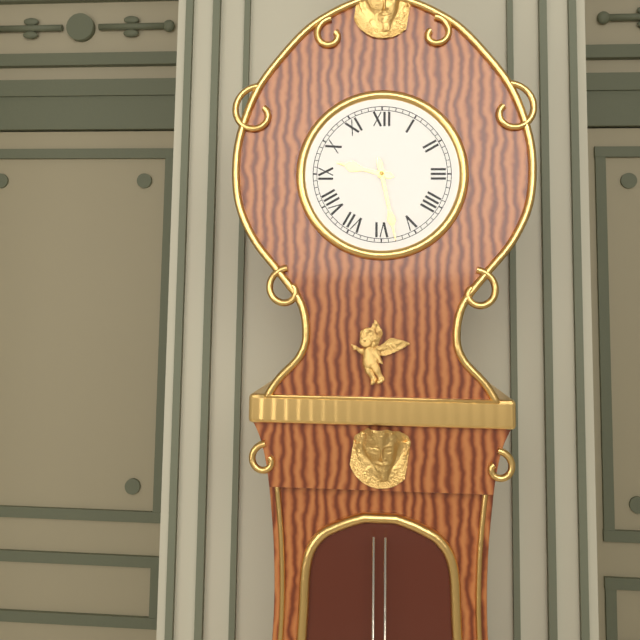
h=9 m=28
